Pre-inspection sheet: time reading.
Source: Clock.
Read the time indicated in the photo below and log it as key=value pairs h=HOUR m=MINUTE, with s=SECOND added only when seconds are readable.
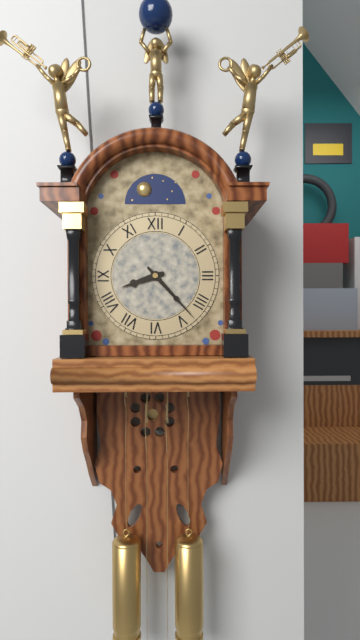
h=8 m=23
